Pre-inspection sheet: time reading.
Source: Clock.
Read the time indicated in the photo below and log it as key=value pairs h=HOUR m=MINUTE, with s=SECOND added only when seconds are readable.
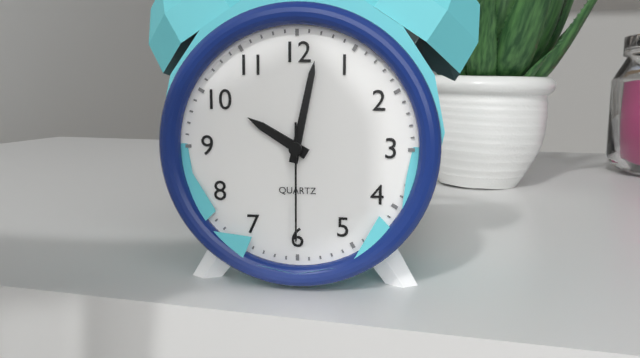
h=10 m=2 s=30
